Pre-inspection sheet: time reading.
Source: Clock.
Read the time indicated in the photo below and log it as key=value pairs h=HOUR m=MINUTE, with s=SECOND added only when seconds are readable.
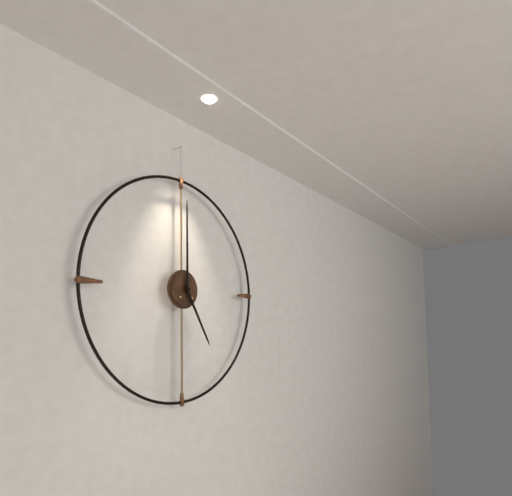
h=5 m=0
